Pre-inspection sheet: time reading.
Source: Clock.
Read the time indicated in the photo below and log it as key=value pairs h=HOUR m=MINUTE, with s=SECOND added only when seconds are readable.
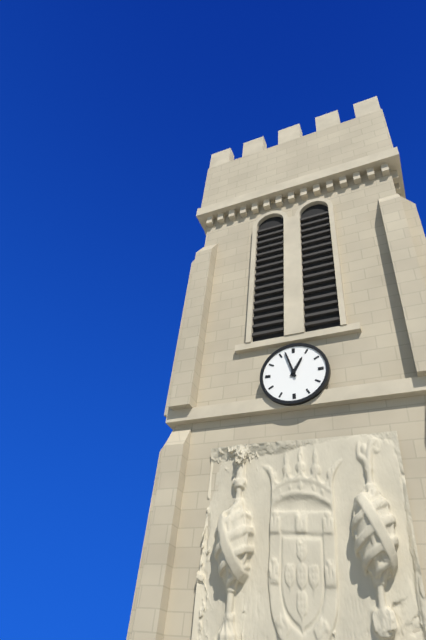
h=12 m=57
